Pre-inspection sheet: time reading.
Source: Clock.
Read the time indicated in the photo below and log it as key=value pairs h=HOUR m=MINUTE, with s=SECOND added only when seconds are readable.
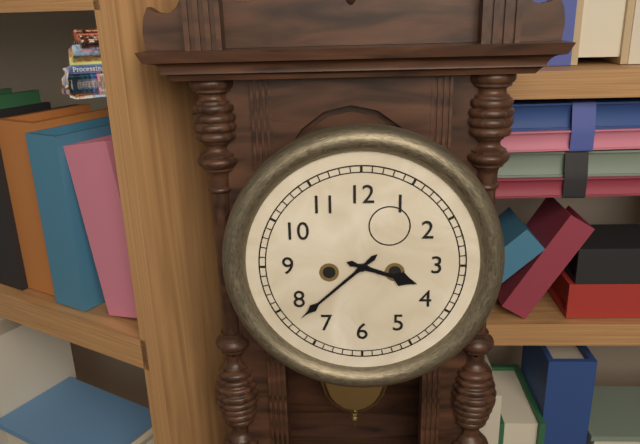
h=3 m=38
